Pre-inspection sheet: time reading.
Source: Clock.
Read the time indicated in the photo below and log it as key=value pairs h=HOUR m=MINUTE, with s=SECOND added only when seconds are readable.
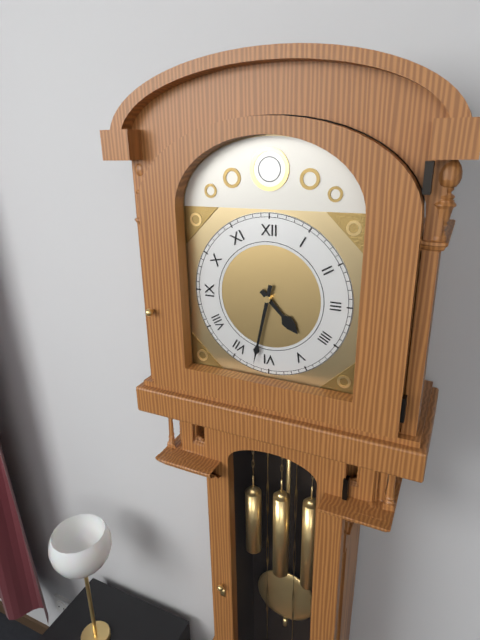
h=4 m=32
